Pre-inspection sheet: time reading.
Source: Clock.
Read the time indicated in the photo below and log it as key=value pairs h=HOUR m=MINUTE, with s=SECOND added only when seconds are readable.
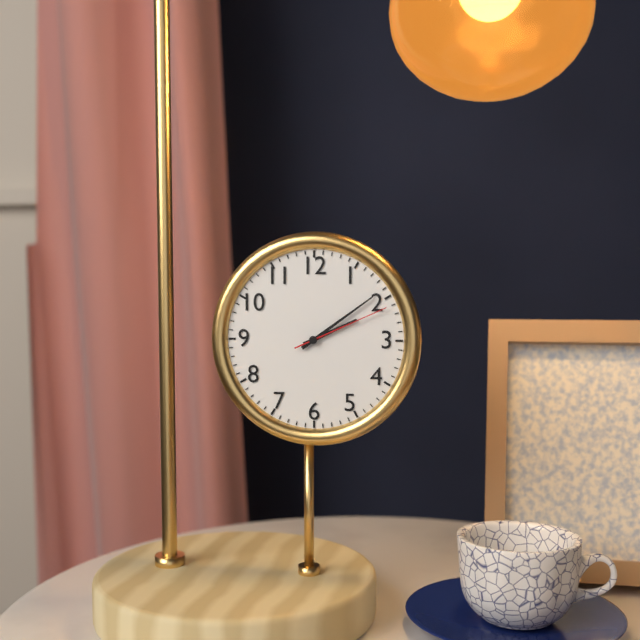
h=2 m=9 s=11
